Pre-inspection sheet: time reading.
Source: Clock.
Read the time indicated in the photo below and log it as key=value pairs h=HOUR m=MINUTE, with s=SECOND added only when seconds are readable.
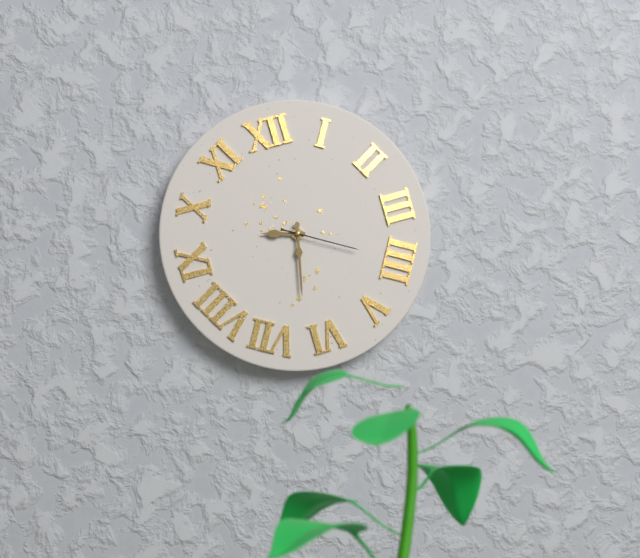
h=9 m=32 s=20
